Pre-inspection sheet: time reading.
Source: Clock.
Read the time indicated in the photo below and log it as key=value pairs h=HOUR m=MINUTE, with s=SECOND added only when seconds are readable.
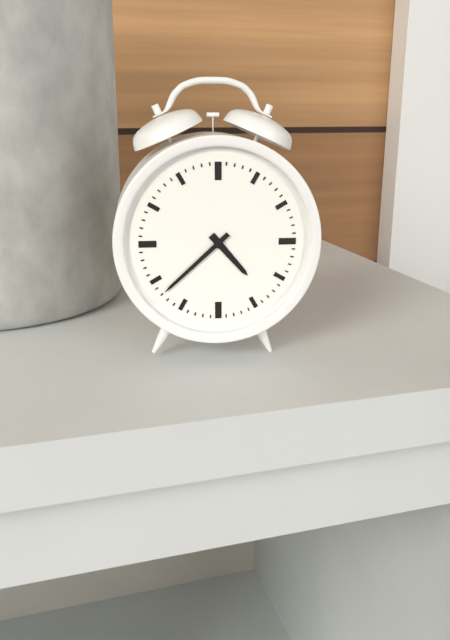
h=4 m=38
